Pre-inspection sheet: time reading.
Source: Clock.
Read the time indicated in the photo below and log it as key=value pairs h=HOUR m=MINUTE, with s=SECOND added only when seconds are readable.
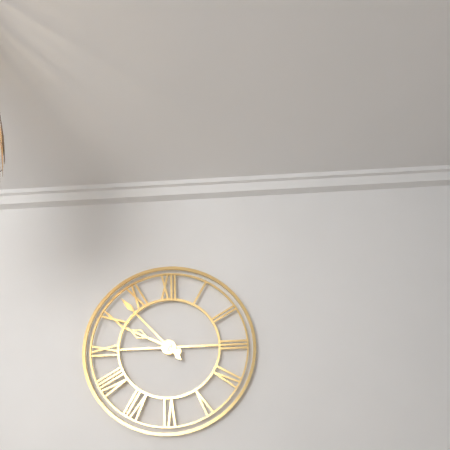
h=9 m=53
